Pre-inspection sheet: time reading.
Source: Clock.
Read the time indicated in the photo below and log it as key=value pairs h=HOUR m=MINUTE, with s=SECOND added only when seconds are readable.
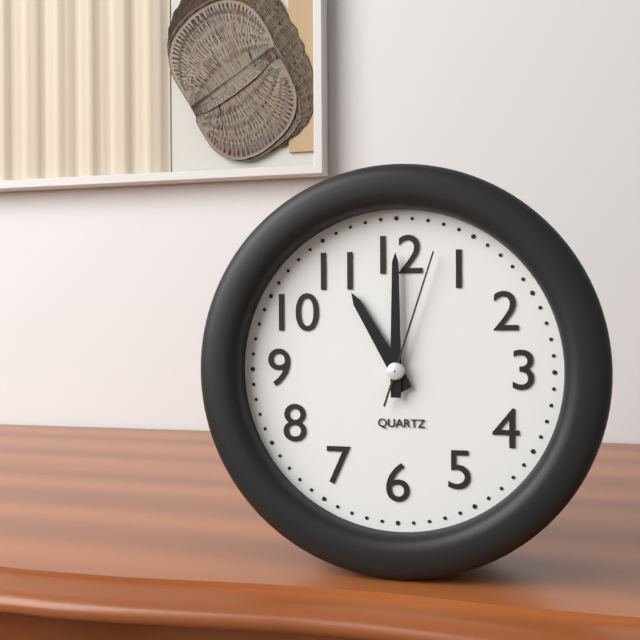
h=11 m=0 s=3
